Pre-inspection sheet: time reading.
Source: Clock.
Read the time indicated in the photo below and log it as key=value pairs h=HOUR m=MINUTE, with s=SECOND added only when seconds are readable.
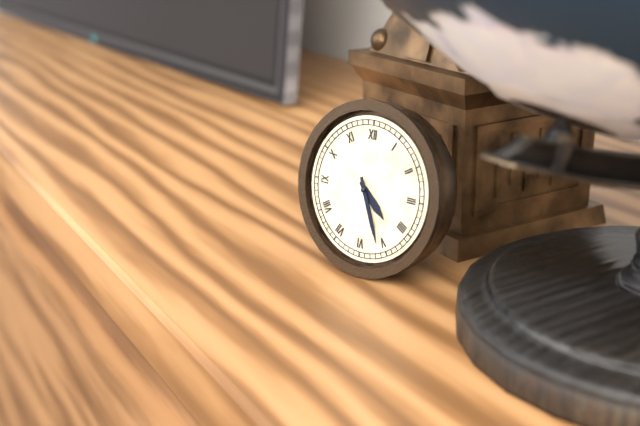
h=4 m=26
